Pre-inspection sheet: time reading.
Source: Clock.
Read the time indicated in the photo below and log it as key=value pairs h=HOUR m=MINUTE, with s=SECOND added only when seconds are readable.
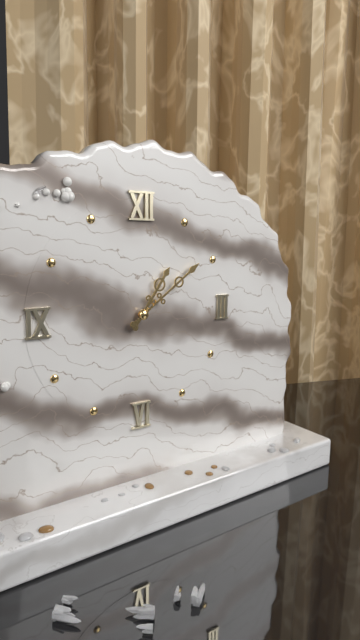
h=1 m=9
